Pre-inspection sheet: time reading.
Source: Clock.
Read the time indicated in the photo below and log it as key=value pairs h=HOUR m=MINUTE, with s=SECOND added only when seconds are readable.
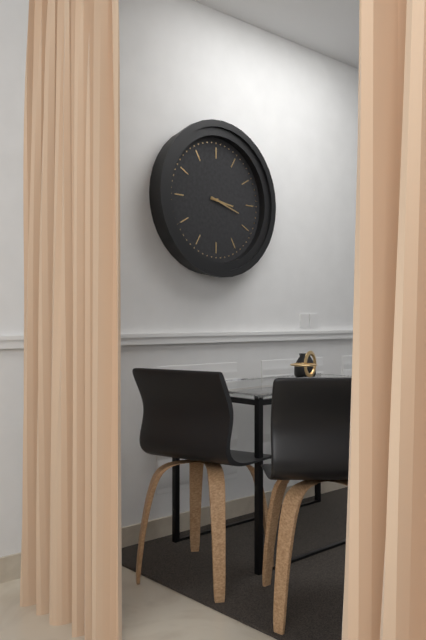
h=3 m=18
